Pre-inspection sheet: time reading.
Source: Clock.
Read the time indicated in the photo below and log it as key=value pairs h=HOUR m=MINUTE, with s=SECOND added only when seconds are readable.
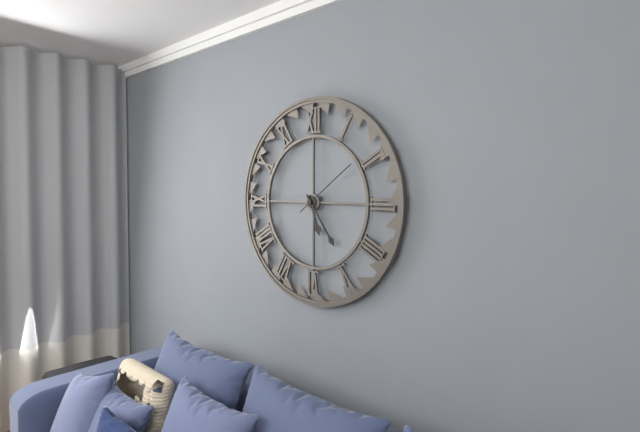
h=5 m=24 s=9
